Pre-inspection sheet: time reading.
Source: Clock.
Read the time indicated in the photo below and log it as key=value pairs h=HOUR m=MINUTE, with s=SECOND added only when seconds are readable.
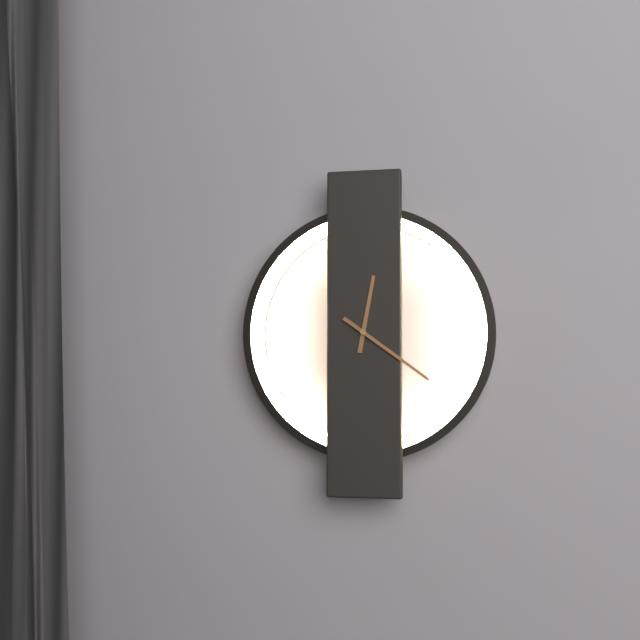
h=12 m=21
